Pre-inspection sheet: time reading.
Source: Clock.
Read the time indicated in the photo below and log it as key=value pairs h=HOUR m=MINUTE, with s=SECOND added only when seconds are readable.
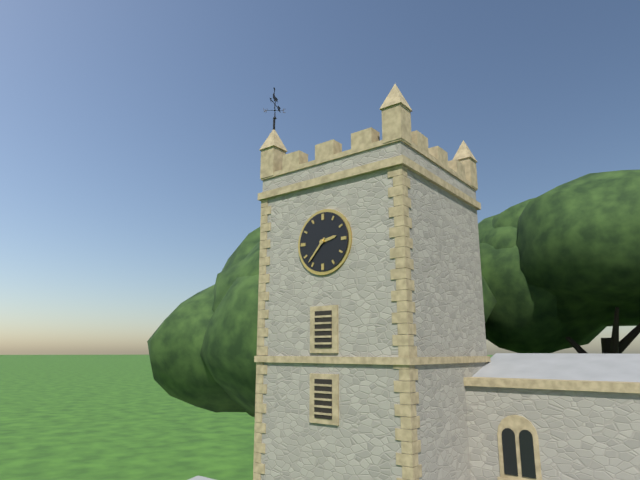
h=2 m=37
